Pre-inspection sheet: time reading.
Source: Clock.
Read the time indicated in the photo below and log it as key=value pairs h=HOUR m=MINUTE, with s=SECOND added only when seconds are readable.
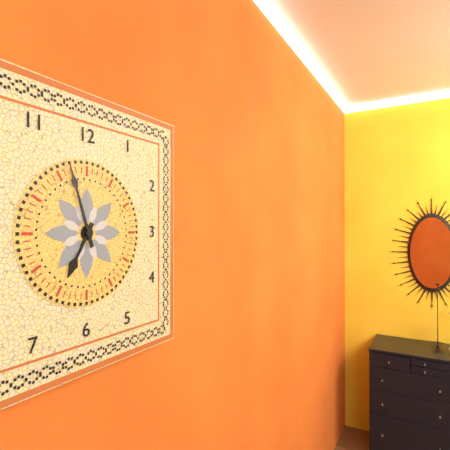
h=6 m=57
